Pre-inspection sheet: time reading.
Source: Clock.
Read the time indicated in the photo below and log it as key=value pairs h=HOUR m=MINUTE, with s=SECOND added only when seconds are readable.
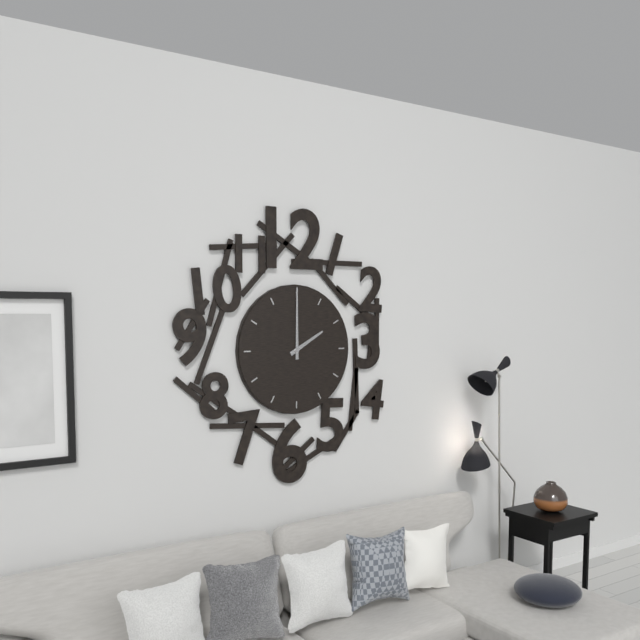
h=2 m=0
